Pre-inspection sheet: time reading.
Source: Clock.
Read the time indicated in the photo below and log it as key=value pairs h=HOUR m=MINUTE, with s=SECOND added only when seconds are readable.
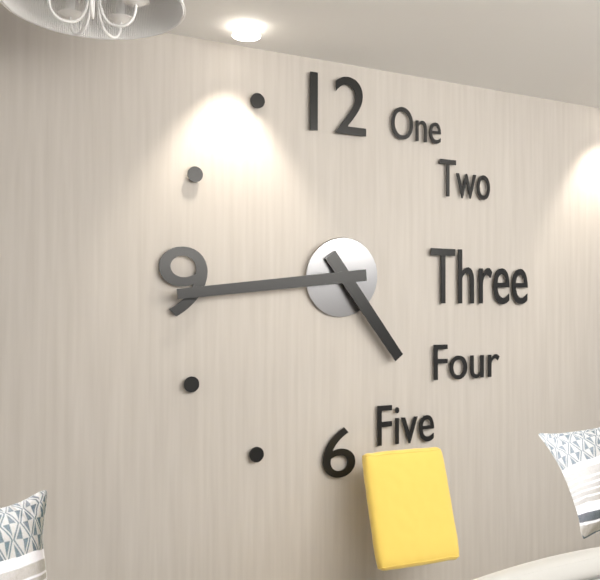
h=4 m=44
